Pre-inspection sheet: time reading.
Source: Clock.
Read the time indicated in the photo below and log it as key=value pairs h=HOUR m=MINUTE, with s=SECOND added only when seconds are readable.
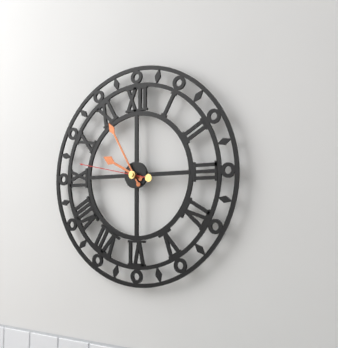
h=9 m=55 s=47
